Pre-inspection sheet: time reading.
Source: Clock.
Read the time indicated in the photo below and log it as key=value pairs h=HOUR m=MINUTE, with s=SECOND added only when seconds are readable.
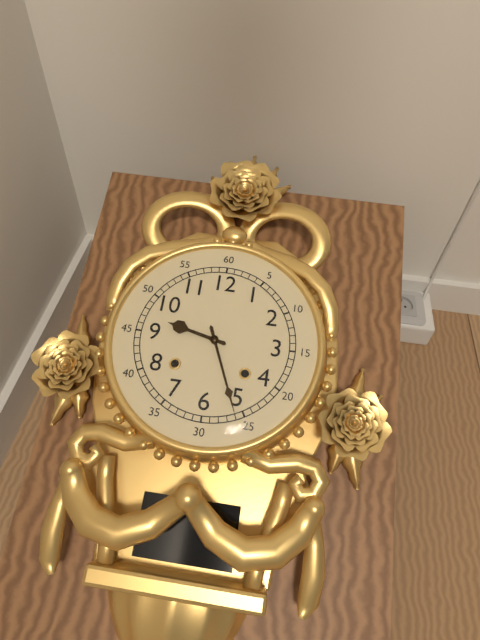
h=9 m=26
